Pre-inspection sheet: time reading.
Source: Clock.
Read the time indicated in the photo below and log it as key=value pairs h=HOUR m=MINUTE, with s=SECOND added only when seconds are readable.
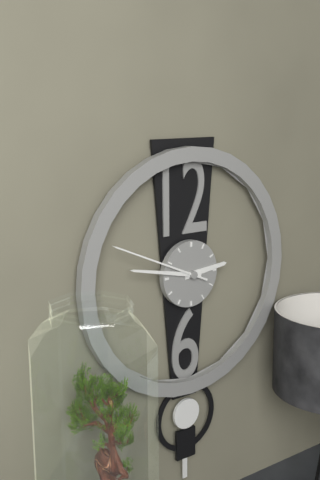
h=2 m=47 s=49
